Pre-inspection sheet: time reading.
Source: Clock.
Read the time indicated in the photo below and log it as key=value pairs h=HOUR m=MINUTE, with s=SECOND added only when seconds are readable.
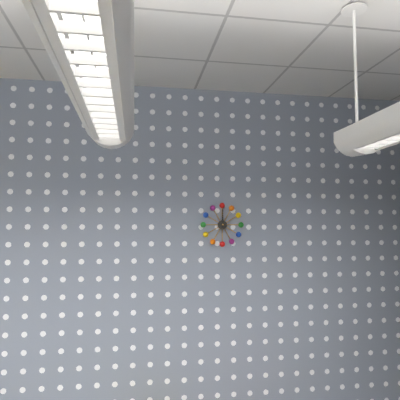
h=12 m=0
